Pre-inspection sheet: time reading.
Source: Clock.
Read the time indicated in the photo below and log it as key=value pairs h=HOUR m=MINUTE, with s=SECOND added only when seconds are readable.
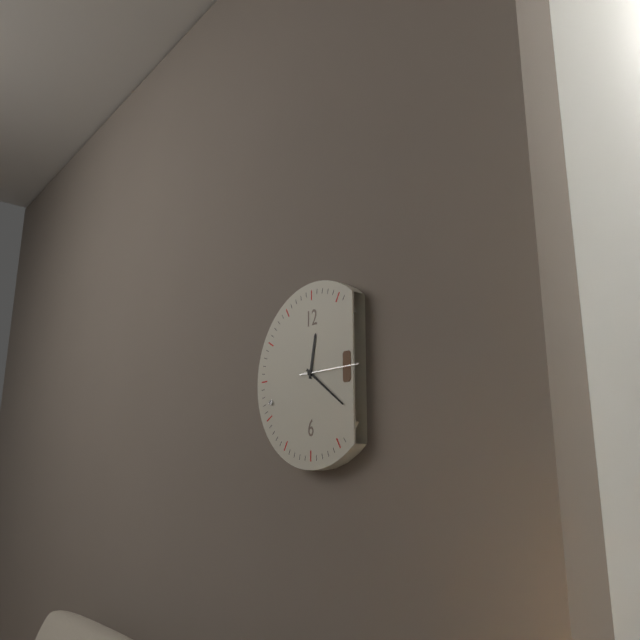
h=12 m=21
